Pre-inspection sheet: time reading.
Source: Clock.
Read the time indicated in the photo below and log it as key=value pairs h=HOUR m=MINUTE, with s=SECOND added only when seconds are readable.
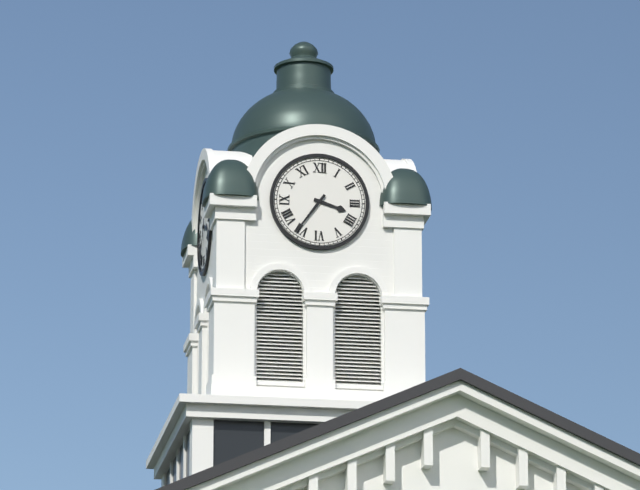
h=3 m=36
